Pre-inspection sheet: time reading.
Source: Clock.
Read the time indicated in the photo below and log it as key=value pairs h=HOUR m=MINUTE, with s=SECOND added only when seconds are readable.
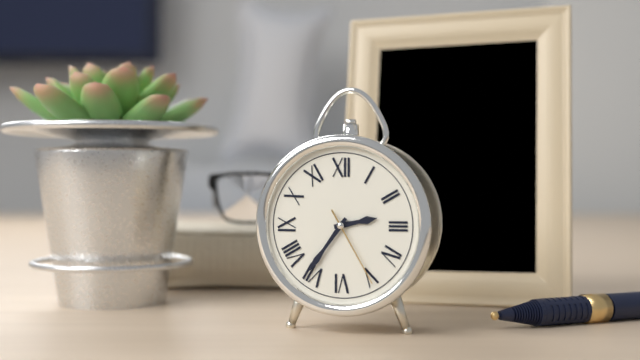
h=2 m=36 s=25
